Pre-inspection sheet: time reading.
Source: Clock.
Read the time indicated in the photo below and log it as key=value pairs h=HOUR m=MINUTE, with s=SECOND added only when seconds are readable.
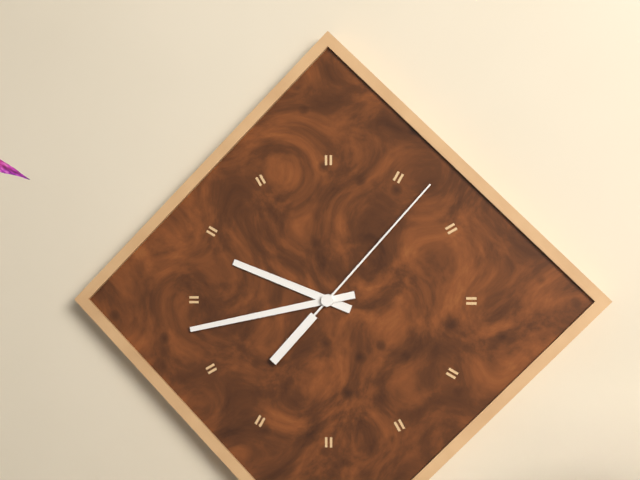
h=9 m=43 s=7
